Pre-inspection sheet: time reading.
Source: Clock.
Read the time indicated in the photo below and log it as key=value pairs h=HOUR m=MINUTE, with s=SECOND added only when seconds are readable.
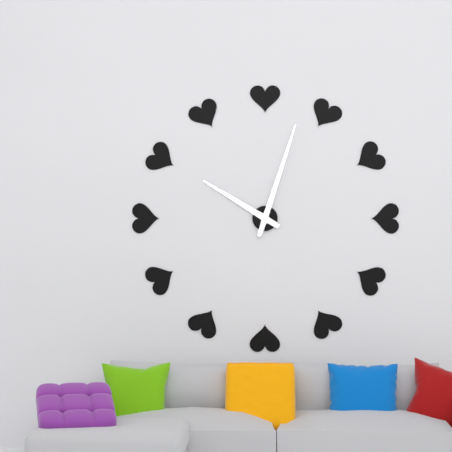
h=10 m=3
